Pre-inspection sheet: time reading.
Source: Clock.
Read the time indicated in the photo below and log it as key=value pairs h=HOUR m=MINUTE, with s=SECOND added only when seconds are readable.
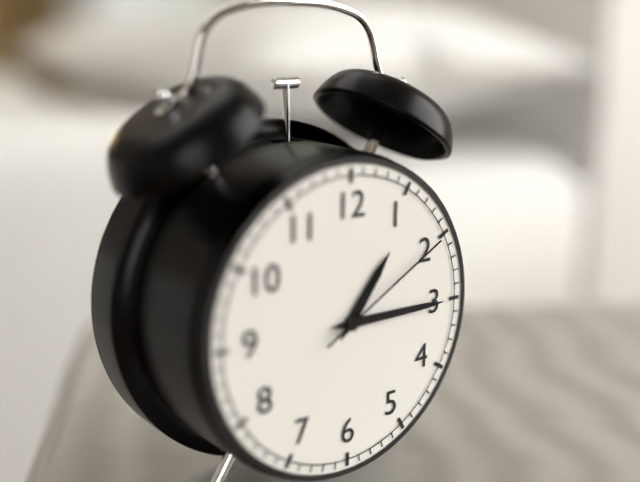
h=1 m=15 s=10
